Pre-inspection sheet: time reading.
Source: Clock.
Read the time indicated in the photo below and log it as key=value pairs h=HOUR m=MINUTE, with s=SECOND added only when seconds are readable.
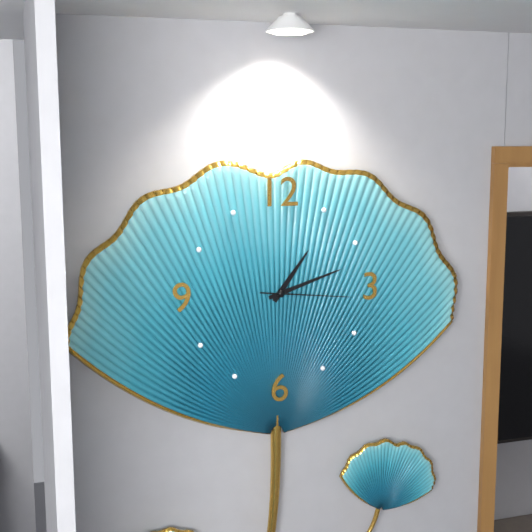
h=1 m=12 s=16
